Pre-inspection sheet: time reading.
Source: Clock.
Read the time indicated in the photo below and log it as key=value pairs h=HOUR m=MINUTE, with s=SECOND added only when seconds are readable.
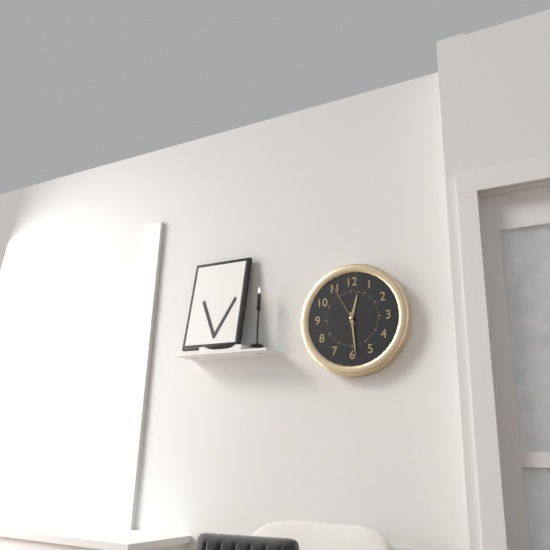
h=12 m=29
